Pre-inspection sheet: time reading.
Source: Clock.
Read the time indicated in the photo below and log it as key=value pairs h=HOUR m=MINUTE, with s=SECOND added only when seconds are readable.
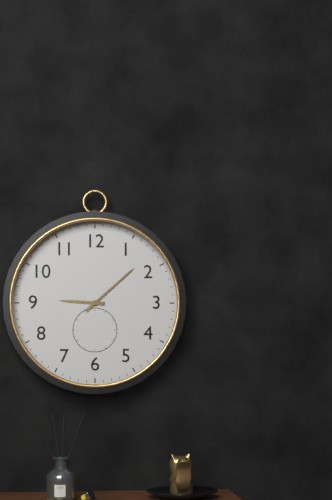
h=9 m=8
